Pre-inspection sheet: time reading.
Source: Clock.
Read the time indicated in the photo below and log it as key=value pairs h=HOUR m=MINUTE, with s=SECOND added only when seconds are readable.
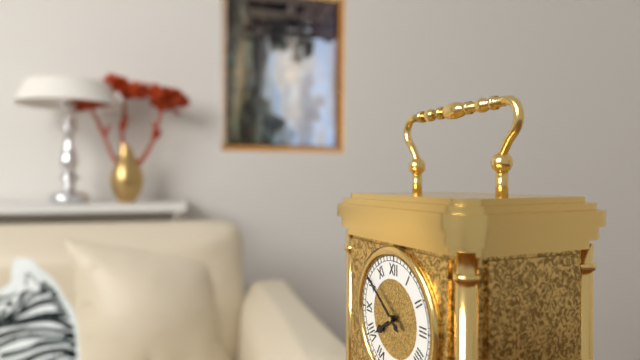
h=7 m=51
